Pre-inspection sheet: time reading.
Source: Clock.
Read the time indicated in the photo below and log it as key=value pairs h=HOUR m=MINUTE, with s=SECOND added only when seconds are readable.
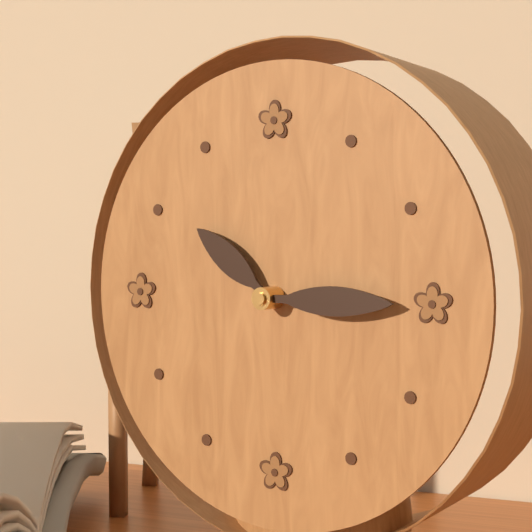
h=10 m=15
